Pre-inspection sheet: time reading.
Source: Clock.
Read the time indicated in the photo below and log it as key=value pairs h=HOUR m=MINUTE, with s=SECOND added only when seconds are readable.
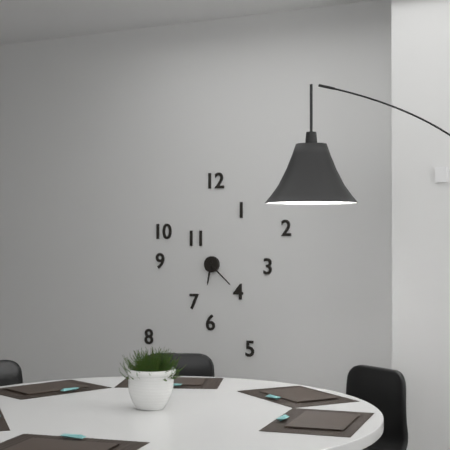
h=6 m=22
